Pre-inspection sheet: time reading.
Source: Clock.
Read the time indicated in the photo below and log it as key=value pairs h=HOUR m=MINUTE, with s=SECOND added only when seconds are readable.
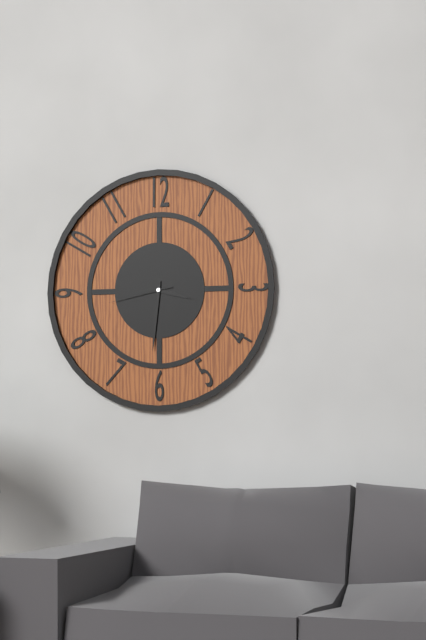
h=3 m=31 s=43
